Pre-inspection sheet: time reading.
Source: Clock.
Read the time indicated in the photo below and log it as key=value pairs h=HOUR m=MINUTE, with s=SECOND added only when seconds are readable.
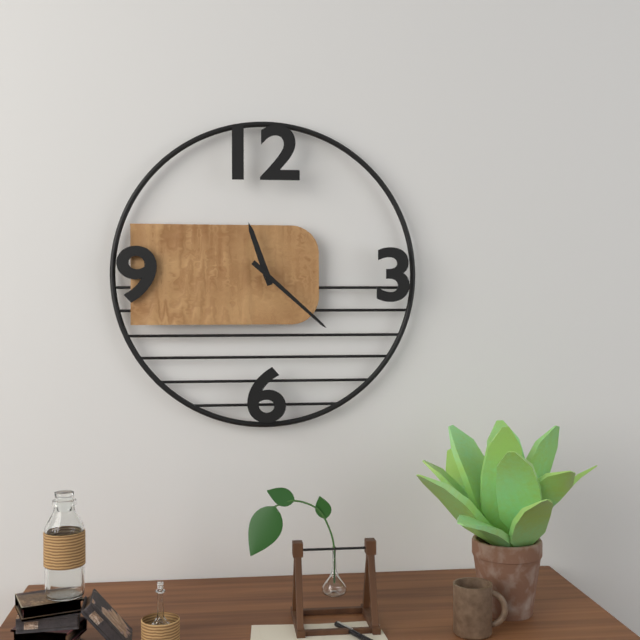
h=11 m=22
